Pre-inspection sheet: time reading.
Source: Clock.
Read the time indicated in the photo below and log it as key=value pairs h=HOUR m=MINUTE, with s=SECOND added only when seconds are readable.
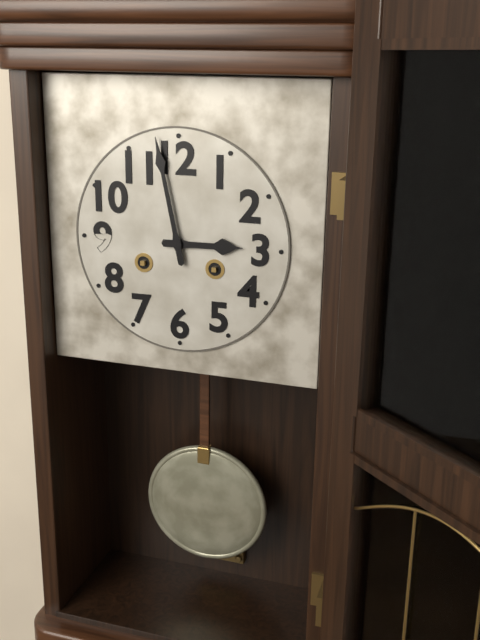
h=2 m=58
